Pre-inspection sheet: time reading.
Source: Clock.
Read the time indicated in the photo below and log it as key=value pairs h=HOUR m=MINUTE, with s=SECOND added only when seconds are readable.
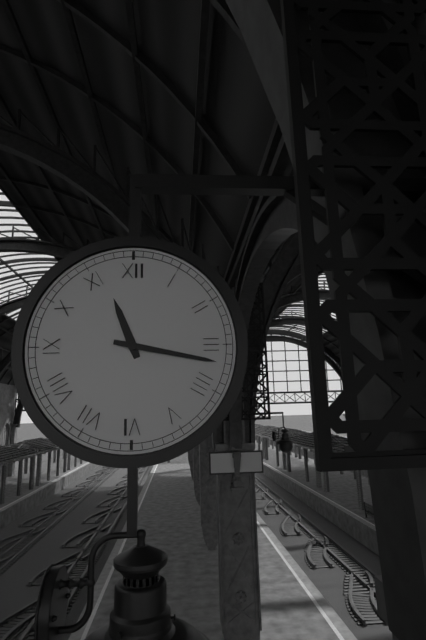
h=11 m=17
